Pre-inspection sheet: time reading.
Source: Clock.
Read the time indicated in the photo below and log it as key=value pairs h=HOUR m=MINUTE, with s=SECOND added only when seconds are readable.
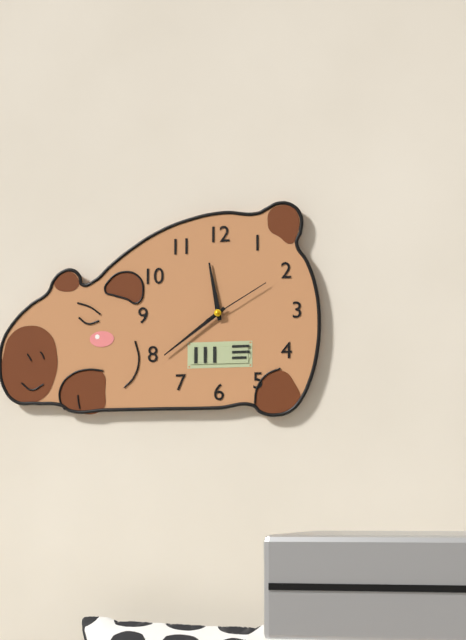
h=11 m=39 s=10
